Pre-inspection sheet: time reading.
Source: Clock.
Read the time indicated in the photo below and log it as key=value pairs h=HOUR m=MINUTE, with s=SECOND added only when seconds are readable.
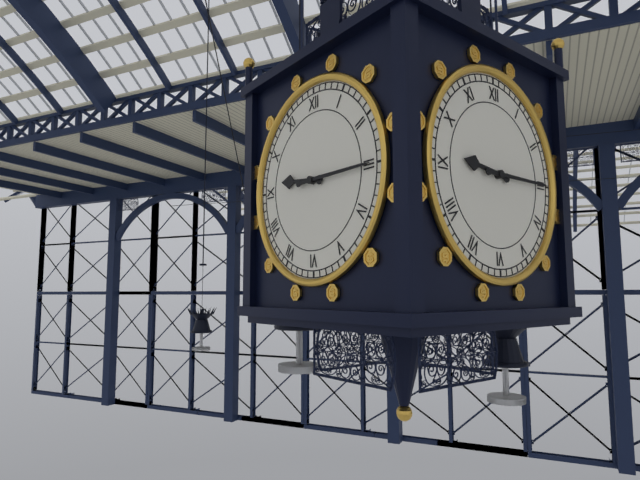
h=9 m=15
